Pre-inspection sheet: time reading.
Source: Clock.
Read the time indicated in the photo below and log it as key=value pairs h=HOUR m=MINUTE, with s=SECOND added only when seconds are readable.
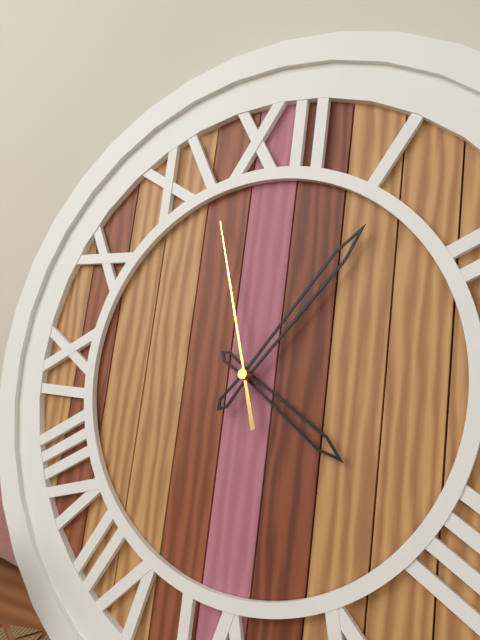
h=4 m=6 s=57
